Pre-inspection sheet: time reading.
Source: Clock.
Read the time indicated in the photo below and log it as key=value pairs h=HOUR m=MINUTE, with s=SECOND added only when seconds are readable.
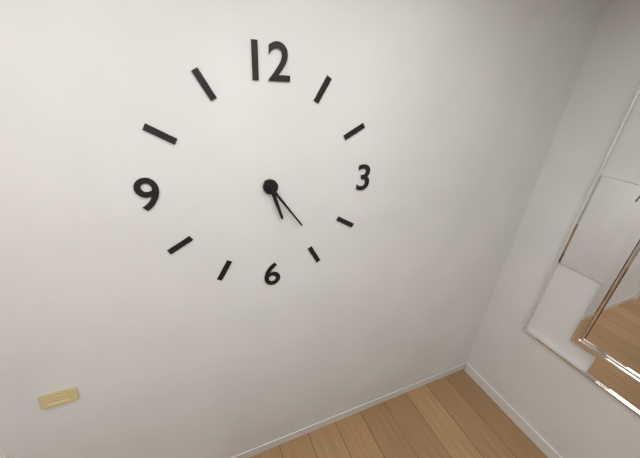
h=5 m=24
